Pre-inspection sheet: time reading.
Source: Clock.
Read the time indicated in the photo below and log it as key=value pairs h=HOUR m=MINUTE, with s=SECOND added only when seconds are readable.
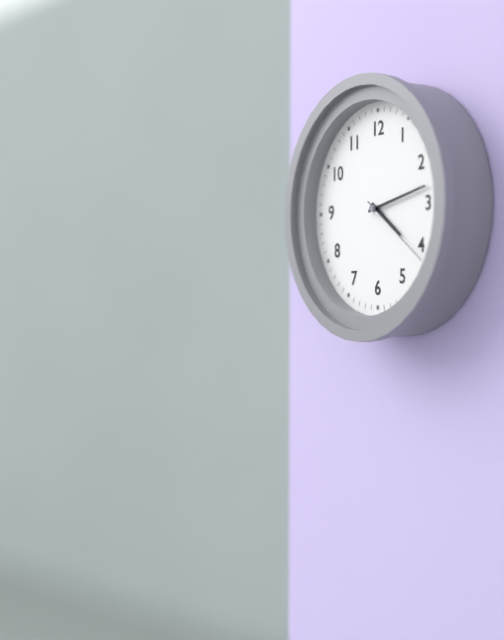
h=4 m=13 s=21
